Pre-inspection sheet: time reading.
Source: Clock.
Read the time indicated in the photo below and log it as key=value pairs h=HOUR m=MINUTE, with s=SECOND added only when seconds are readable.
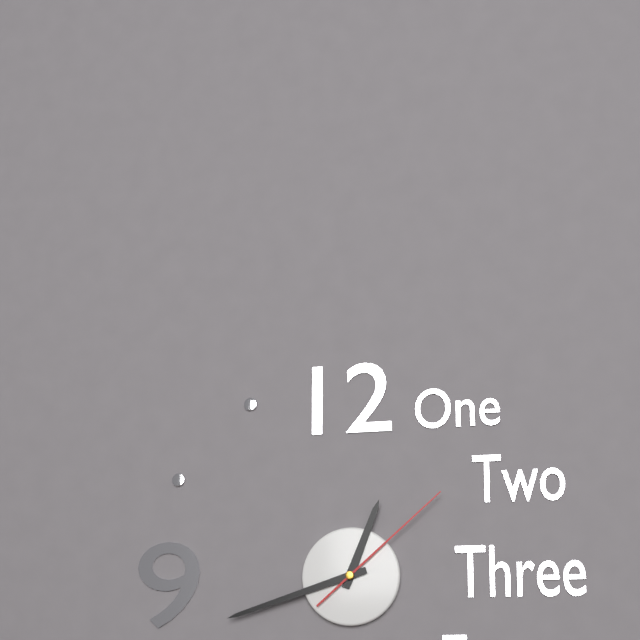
h=12 m=42 s=8
